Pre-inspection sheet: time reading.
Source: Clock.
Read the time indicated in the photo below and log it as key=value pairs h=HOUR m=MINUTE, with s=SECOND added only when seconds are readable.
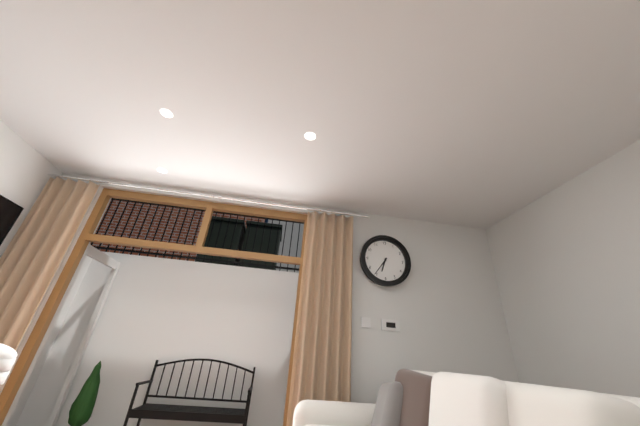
h=6 m=36
